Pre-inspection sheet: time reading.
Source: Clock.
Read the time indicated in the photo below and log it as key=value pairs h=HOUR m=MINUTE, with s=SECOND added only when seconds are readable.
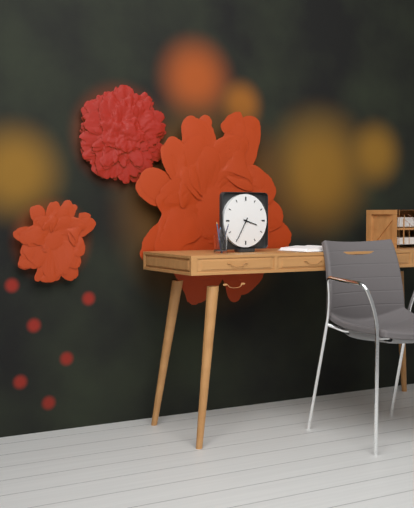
h=3 m=35
